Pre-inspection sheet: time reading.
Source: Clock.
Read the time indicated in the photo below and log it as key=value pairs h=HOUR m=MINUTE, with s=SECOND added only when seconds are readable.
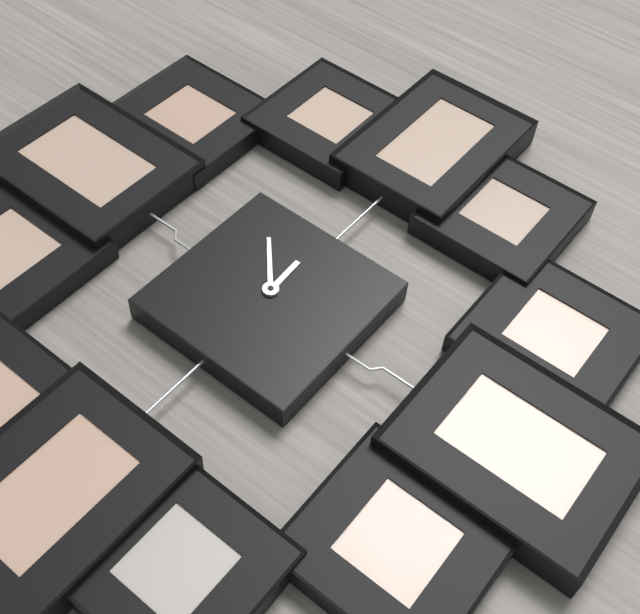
h=11 m=53
